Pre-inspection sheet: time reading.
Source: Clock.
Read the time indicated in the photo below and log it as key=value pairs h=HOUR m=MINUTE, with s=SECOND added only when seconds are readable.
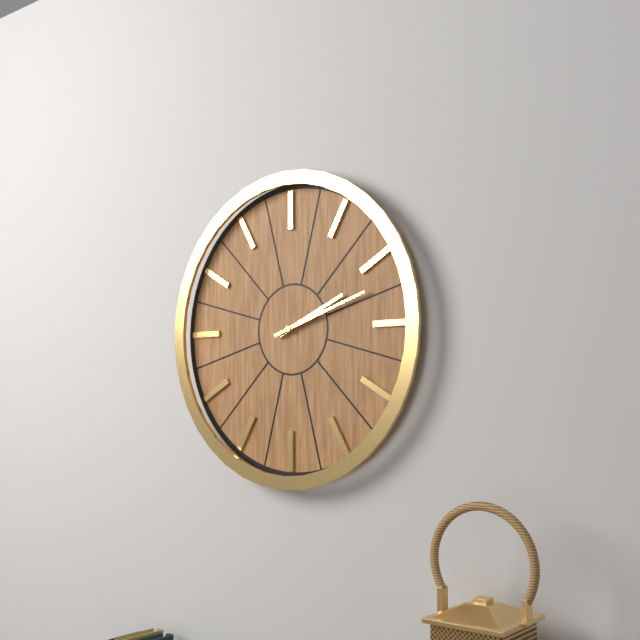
h=2 m=12
